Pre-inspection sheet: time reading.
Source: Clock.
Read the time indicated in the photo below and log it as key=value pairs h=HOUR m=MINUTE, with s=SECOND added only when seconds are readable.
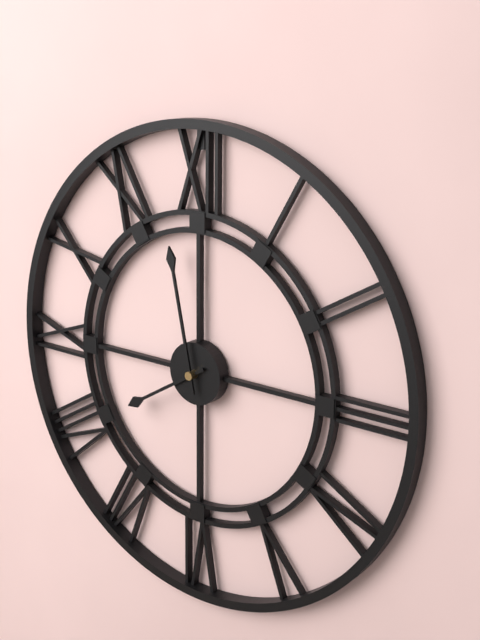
h=7 m=58
